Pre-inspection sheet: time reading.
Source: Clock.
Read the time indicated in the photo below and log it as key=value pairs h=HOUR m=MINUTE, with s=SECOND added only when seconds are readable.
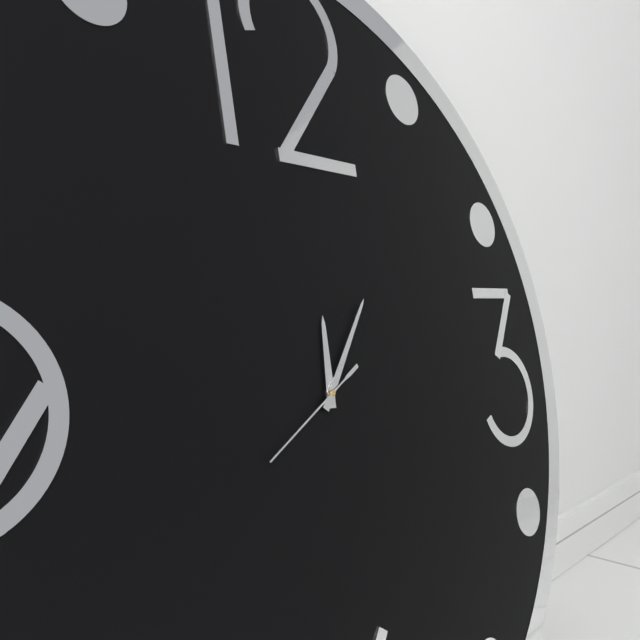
h=12 m=6 s=40
